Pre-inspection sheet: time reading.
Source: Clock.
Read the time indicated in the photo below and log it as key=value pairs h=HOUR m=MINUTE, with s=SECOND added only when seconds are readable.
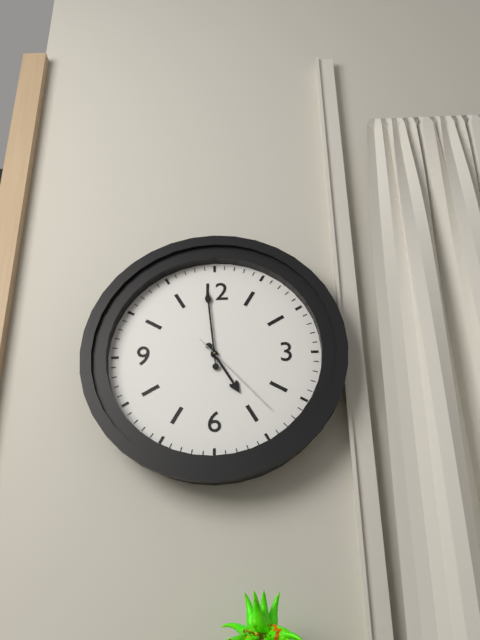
h=4 m=59 s=23
